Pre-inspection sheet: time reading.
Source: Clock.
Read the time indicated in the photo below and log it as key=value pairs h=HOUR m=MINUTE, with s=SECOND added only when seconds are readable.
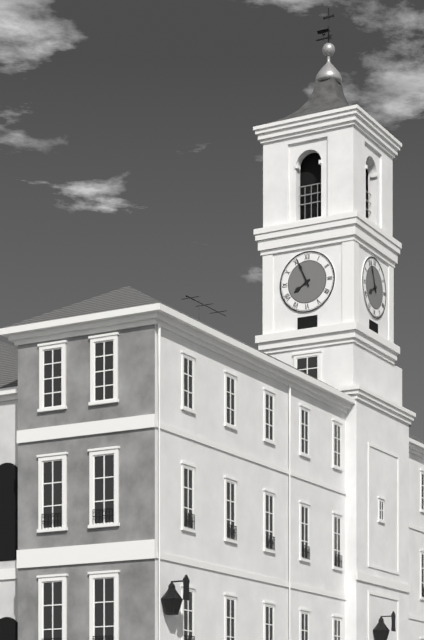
h=7 m=56
